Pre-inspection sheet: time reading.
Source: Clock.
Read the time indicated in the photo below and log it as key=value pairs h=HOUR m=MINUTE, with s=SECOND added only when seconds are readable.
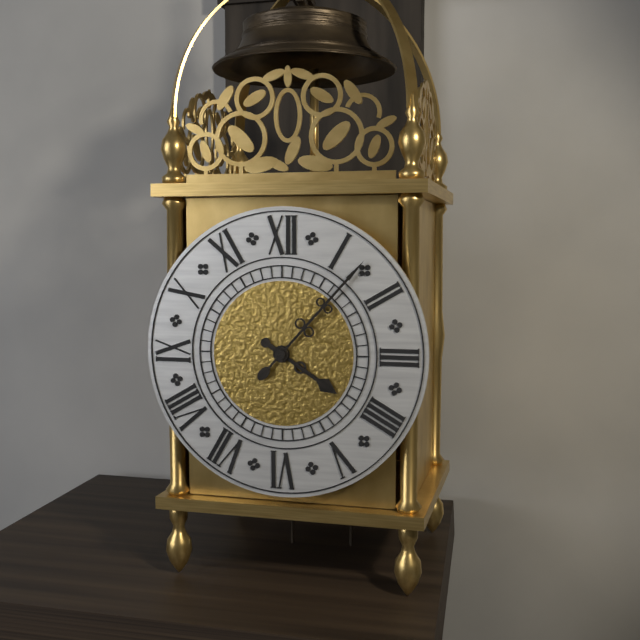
h=4 m=7
